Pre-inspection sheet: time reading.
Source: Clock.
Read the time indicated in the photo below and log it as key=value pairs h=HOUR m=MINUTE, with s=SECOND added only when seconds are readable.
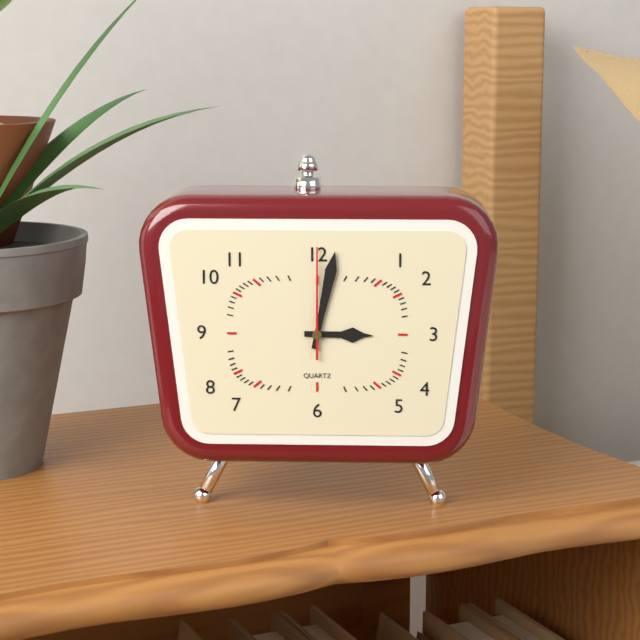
h=3 m=2 s=0
